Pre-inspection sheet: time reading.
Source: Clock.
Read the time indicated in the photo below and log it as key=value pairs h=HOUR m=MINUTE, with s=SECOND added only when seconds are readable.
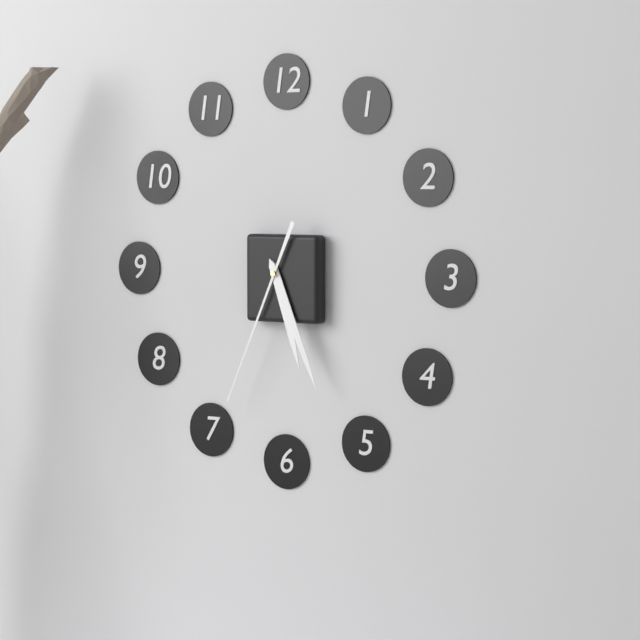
h=5 m=26 s=34
